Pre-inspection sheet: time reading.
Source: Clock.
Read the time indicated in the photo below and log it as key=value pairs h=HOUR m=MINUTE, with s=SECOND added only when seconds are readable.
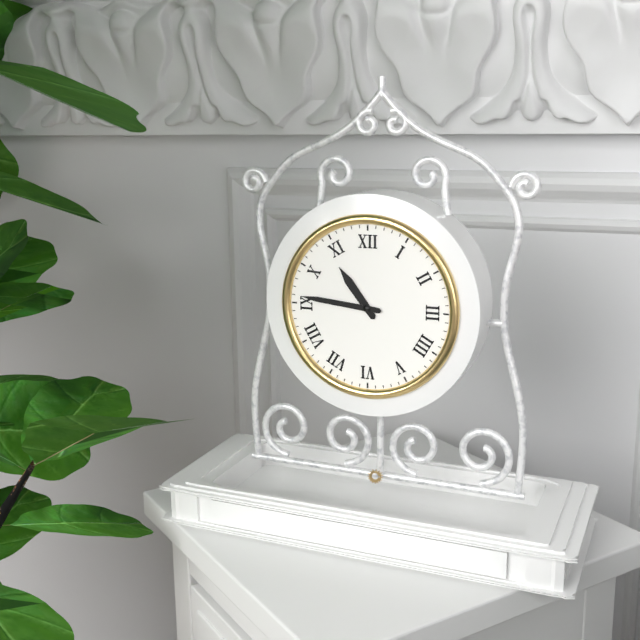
h=10 m=46
